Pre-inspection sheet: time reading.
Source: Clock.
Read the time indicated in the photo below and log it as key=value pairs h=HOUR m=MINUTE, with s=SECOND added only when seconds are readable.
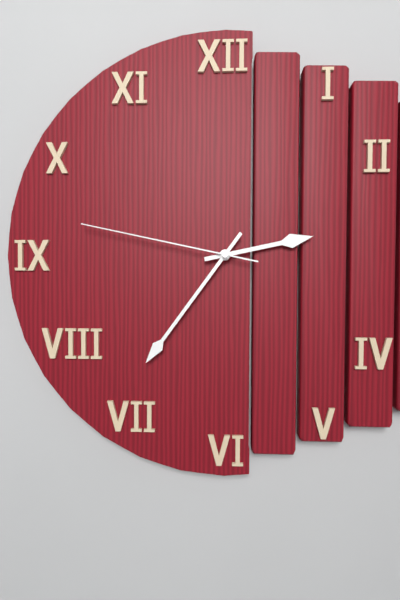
h=2 m=36 s=47
